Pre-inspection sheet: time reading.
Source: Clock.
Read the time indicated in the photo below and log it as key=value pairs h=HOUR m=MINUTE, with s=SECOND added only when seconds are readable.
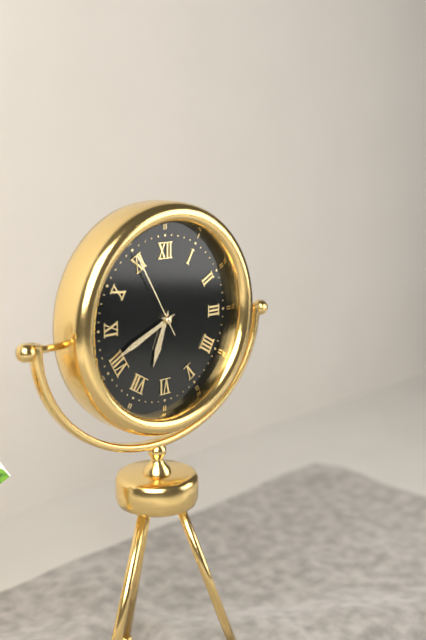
h=6 m=41 s=55
